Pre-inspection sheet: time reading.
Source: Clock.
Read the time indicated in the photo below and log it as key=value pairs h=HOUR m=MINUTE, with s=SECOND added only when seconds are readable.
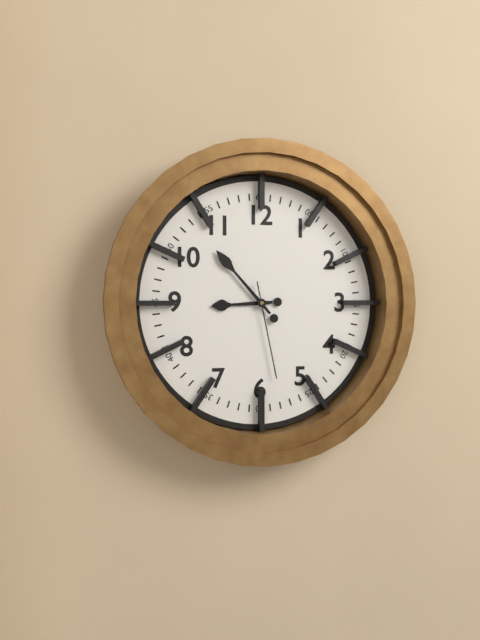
h=8 m=53 s=28
